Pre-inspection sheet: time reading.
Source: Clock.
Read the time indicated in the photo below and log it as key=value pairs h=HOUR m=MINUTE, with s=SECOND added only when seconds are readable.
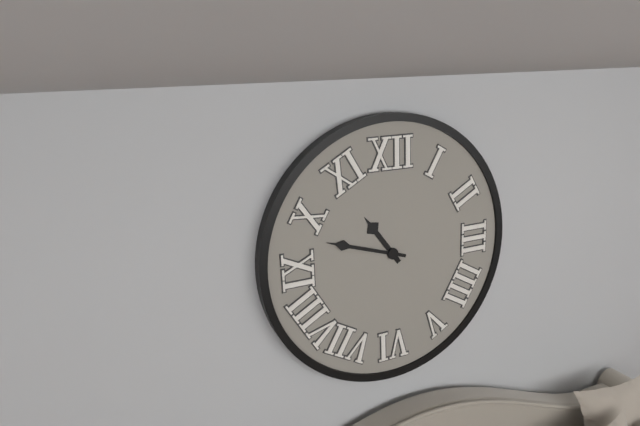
h=10 m=48
